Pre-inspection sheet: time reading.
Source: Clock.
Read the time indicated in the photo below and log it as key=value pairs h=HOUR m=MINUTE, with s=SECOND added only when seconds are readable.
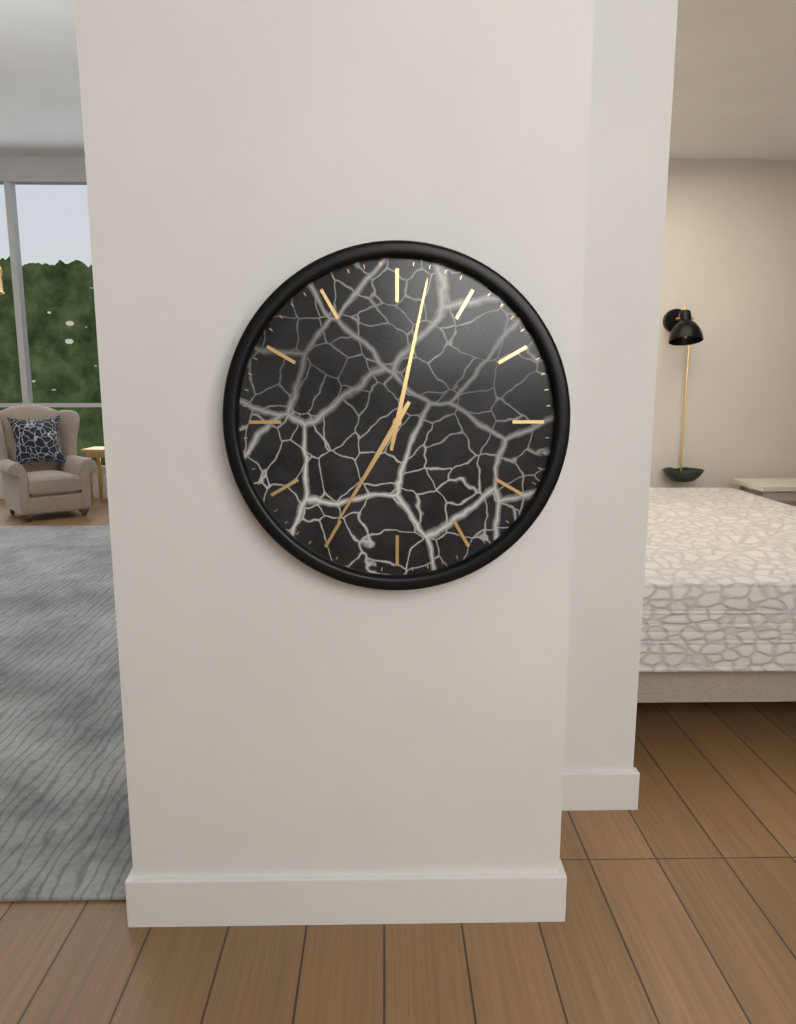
h=7 m=2
